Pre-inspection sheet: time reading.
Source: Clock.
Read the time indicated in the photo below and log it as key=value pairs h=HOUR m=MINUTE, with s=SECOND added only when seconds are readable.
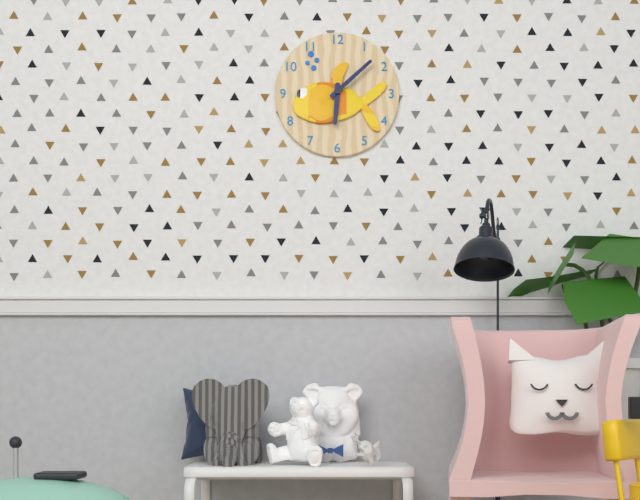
h=6 m=8
